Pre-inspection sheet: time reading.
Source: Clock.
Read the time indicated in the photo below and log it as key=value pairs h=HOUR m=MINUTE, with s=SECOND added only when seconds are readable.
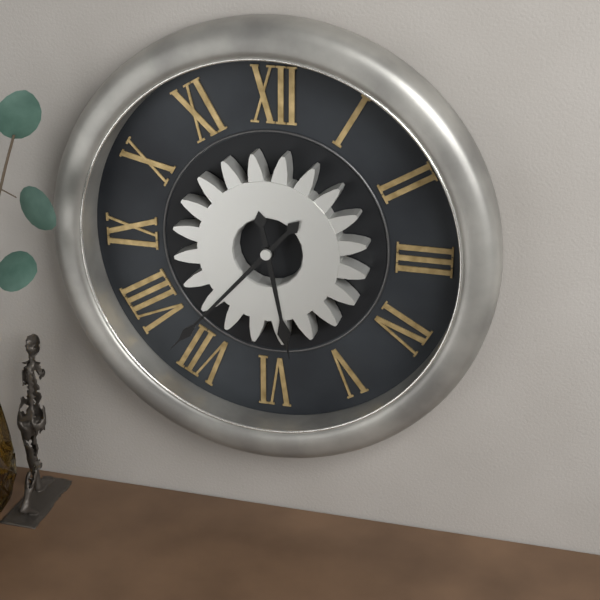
h=5 m=37
